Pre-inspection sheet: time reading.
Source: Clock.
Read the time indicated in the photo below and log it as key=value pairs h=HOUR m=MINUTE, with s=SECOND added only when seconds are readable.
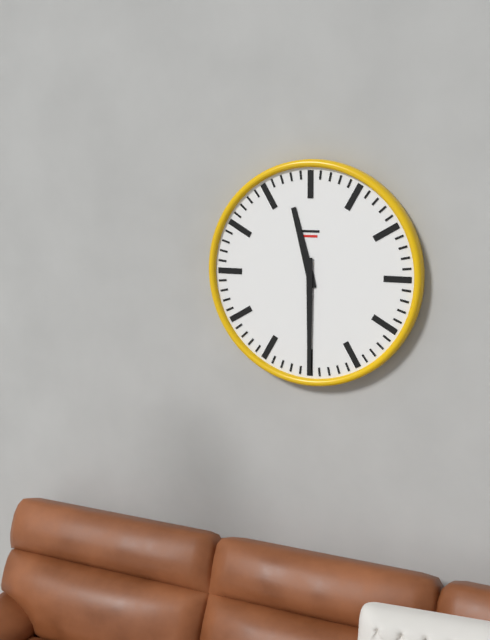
h=11 m=30
